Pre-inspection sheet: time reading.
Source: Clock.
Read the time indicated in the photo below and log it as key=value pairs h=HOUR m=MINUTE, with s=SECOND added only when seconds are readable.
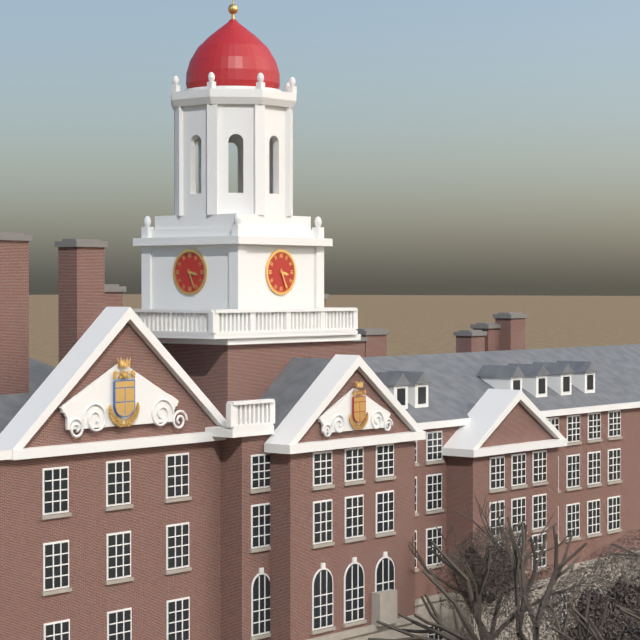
h=3 m=26
